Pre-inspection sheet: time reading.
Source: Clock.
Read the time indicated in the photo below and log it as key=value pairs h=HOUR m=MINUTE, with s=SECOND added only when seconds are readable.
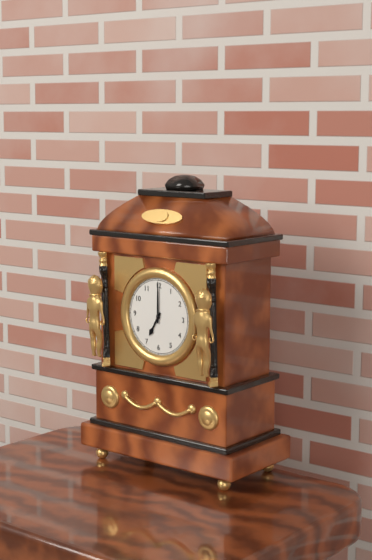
h=7 m=0
